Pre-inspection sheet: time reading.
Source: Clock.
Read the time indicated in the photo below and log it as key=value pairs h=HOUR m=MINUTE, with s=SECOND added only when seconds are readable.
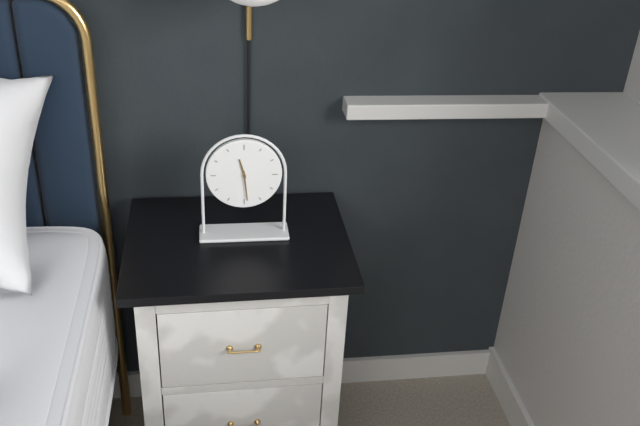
h=11 m=29
